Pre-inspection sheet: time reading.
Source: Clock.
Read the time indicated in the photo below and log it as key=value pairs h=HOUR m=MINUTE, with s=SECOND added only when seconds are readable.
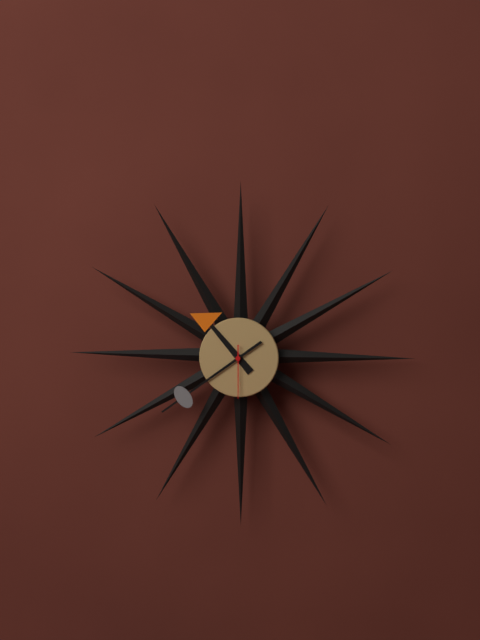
h=10 m=39 s=30
